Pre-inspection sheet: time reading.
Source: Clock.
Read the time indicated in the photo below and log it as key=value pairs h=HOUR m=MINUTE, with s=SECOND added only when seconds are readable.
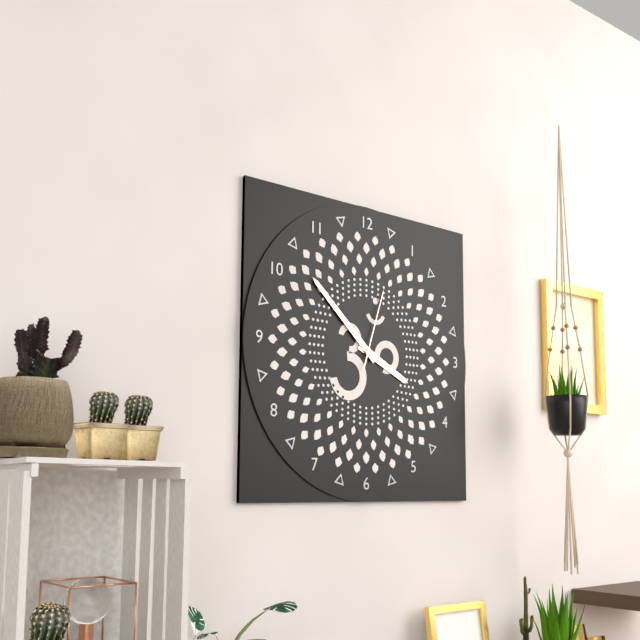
h=3 m=52 s=3
